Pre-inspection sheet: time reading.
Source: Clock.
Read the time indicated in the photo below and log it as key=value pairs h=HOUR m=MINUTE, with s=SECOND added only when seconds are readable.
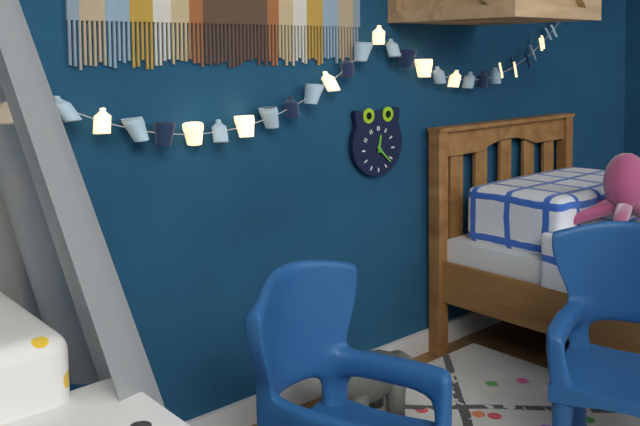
h=12 m=22
